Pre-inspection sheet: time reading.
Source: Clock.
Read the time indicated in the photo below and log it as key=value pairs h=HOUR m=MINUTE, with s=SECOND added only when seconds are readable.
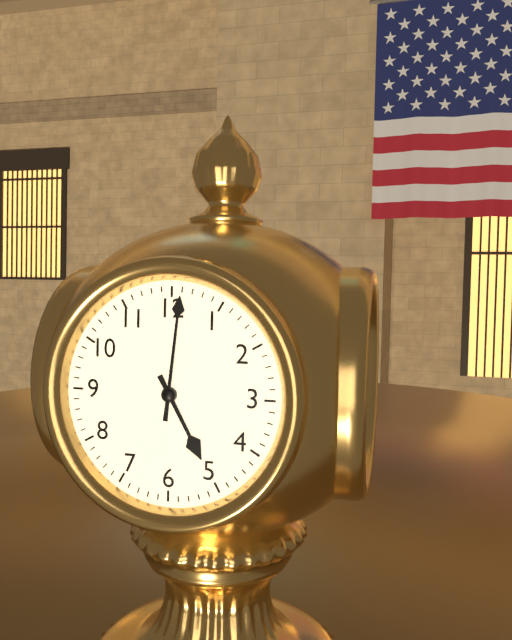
h=5 m=1
